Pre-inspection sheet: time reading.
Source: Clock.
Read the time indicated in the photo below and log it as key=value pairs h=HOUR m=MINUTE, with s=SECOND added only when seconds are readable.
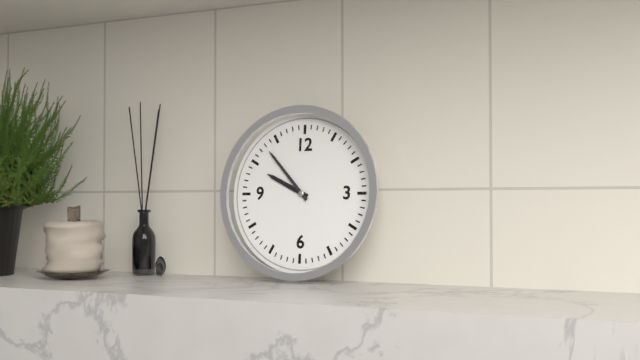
h=9 m=53
